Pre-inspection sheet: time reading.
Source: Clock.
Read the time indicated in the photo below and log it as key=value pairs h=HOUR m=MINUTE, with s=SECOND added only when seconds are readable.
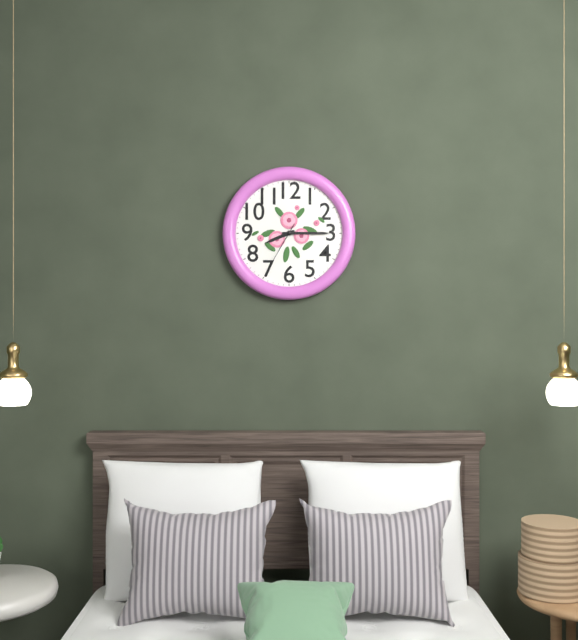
h=8 m=15 s=35
